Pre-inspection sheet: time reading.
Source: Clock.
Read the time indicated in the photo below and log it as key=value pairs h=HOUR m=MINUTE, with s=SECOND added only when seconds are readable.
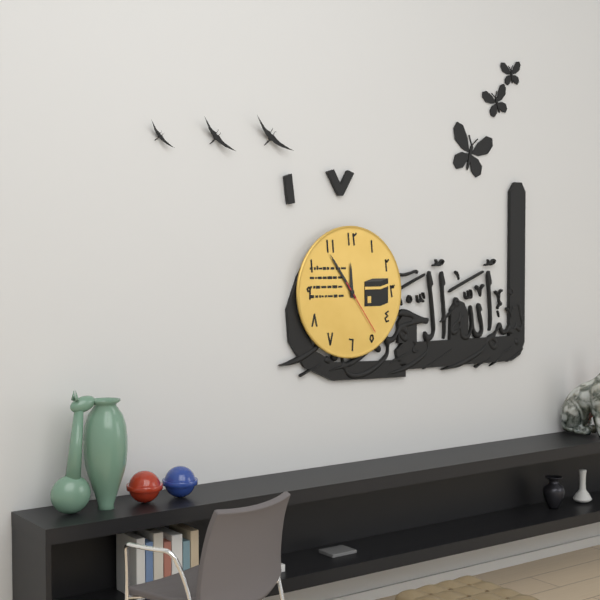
h=11 m=54 s=24
